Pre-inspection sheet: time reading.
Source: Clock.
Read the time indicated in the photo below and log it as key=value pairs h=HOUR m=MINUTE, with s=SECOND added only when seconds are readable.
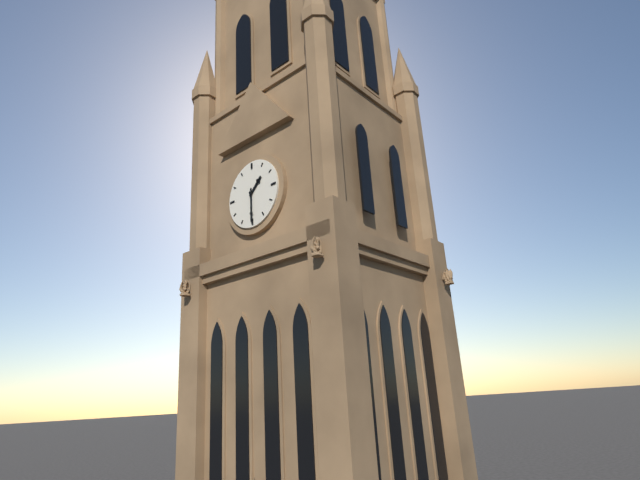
h=1 m=30
